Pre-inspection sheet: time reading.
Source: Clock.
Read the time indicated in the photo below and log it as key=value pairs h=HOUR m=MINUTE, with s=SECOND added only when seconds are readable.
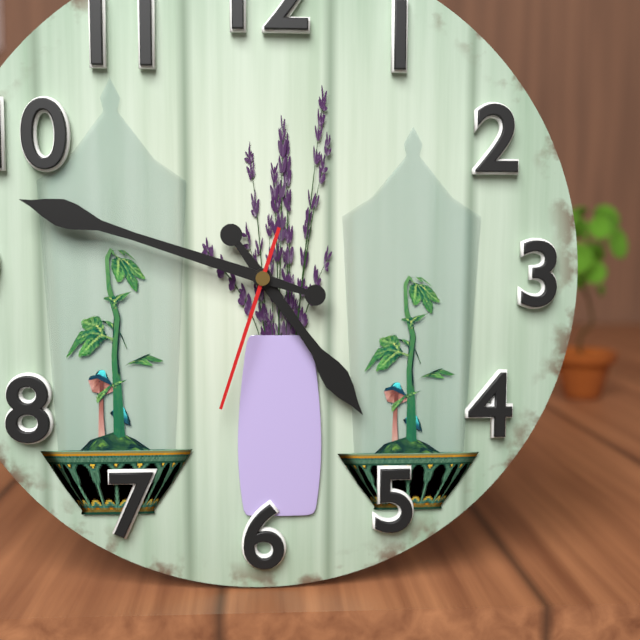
h=4 m=48 s=33
